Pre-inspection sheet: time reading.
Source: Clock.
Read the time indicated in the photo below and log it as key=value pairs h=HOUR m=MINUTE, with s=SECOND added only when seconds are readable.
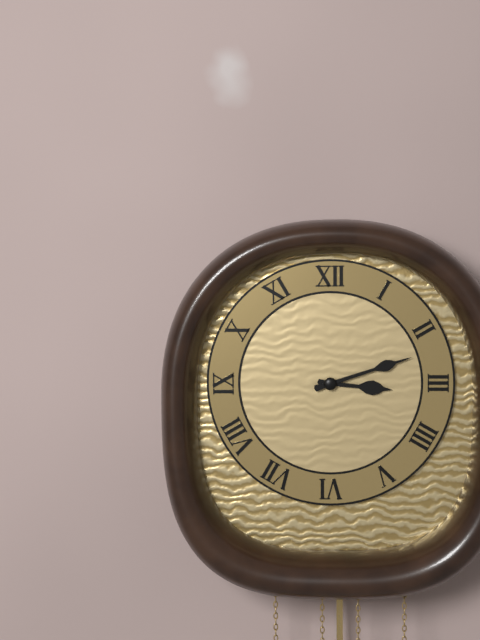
h=3 m=12
